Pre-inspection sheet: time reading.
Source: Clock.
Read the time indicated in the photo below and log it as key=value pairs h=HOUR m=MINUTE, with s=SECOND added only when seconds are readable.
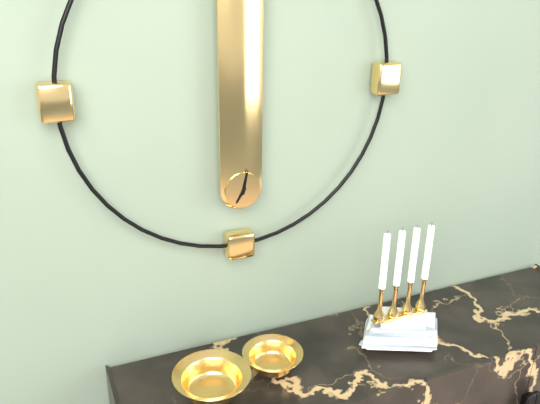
h=7 m=2
